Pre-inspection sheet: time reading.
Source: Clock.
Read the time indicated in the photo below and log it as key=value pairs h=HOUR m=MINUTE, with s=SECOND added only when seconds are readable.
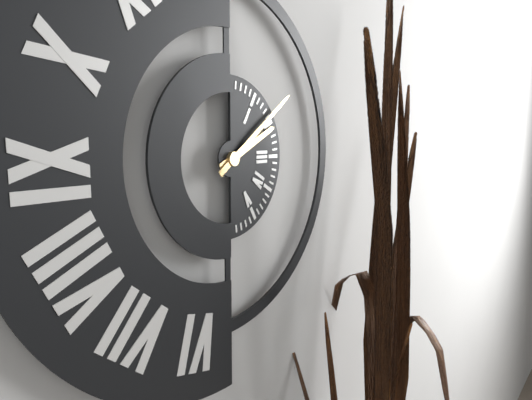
h=2 m=9
